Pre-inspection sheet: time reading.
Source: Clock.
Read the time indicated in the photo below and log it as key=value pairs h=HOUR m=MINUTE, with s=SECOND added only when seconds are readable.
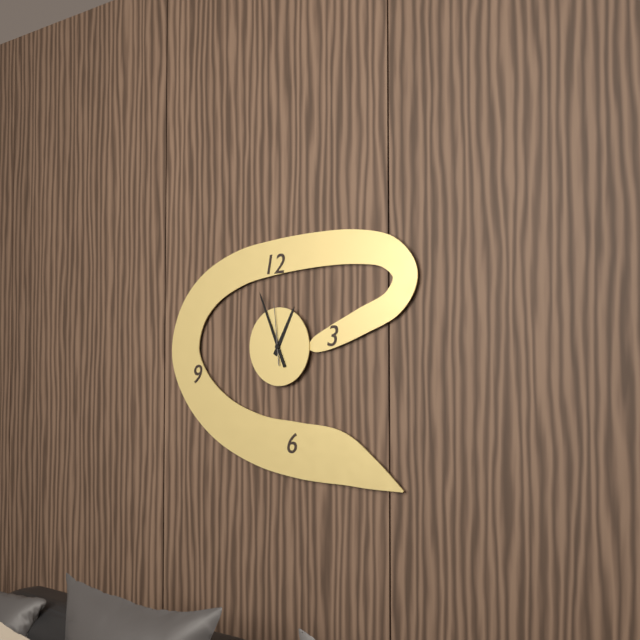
h=12 m=56 s=59
